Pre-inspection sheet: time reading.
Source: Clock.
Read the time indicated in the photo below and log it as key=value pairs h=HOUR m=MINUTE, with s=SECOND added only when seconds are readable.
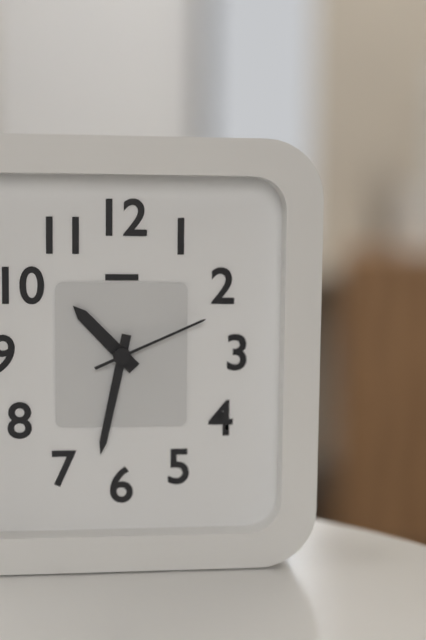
h=10 m=32 s=11
